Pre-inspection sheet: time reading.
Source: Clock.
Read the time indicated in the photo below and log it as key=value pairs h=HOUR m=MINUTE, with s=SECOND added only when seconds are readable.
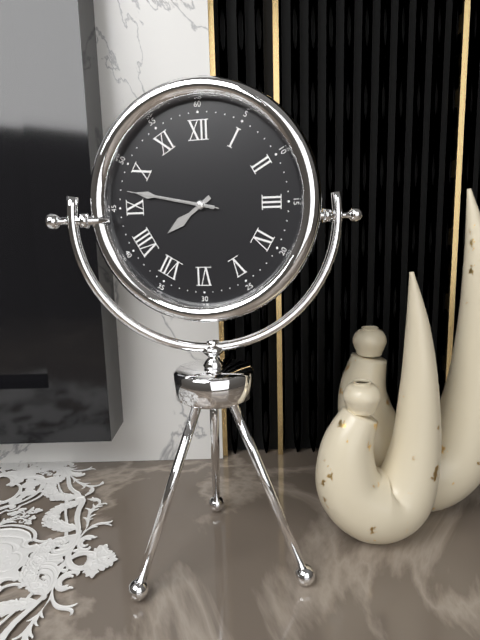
h=7 m=47 s=47
